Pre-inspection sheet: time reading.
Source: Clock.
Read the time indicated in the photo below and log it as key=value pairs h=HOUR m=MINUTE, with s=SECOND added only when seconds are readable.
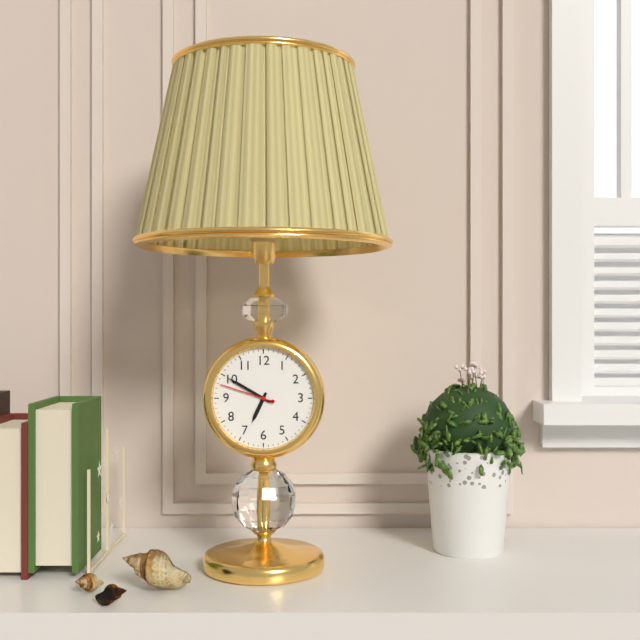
h=6 m=50 s=48
